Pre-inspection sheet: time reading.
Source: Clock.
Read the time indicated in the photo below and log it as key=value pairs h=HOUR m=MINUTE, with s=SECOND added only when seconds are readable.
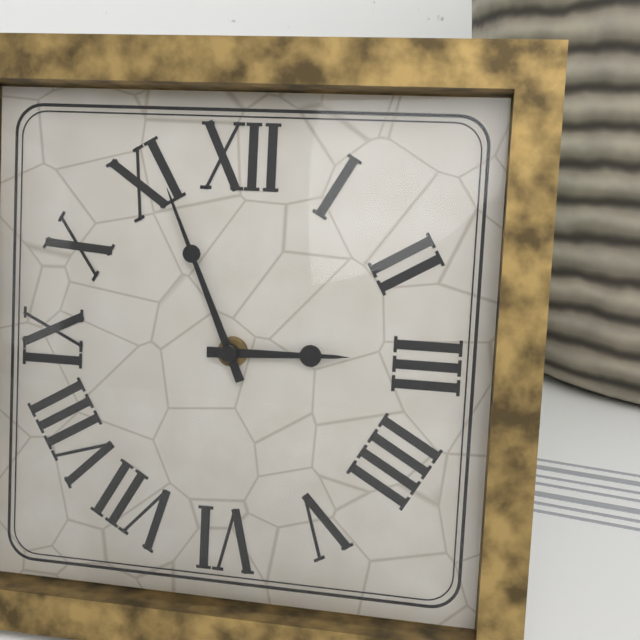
h=2 m=56
